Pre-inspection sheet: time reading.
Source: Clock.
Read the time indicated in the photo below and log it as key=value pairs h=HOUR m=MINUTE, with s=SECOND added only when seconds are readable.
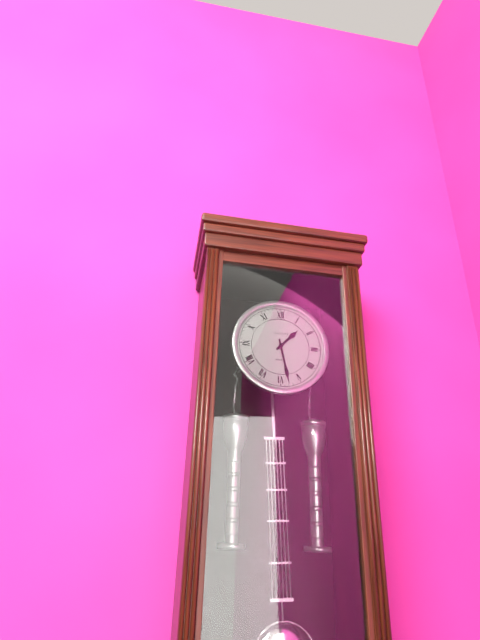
h=1 m=28
